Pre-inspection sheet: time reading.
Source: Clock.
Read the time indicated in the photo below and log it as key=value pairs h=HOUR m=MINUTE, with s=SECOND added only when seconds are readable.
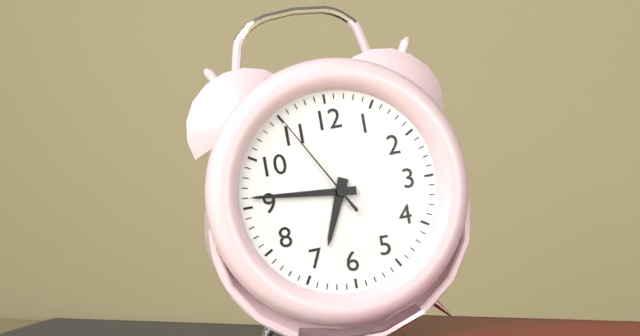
h=6 m=46 s=55
